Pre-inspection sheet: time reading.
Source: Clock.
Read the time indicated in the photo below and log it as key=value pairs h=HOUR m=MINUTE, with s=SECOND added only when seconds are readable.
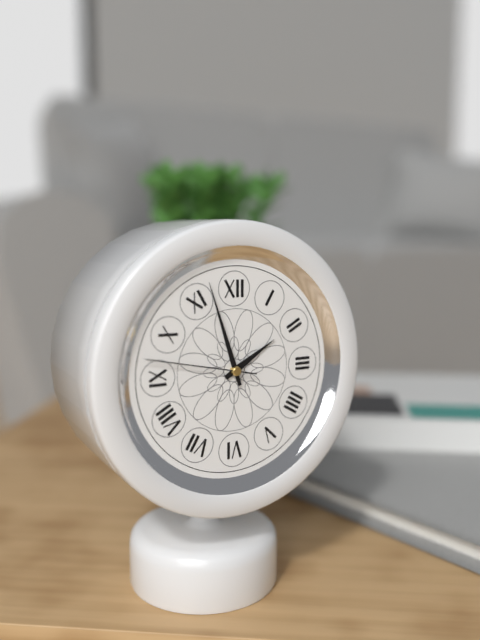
h=1 m=57 s=47
